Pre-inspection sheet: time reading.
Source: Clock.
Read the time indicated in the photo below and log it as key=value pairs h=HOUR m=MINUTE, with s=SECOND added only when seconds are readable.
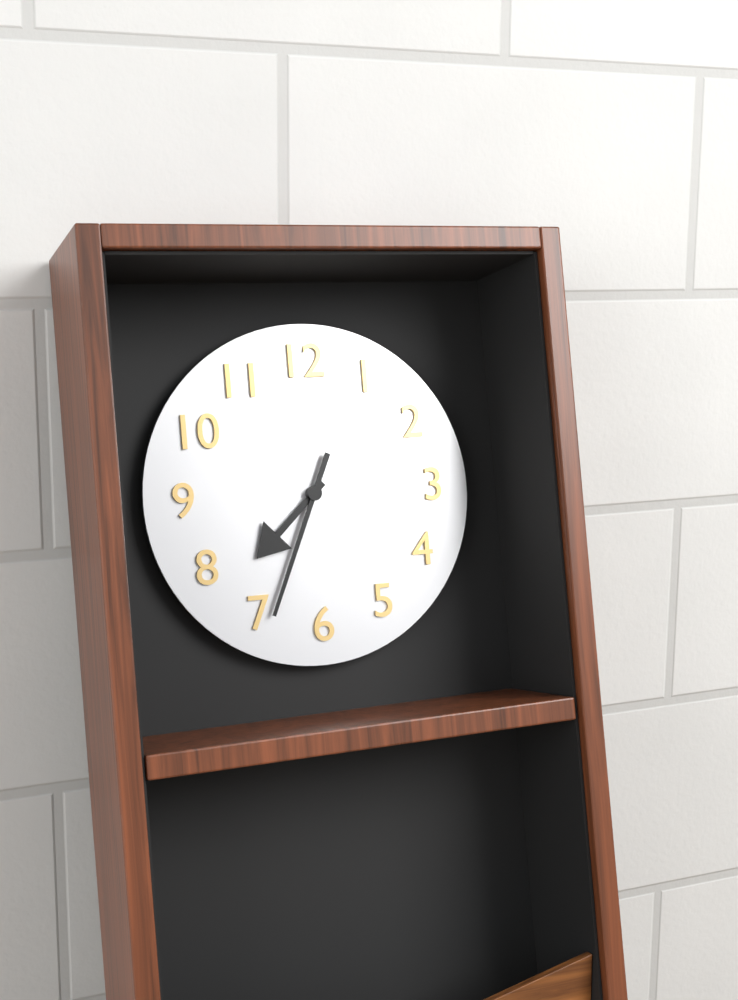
h=7 m=34
